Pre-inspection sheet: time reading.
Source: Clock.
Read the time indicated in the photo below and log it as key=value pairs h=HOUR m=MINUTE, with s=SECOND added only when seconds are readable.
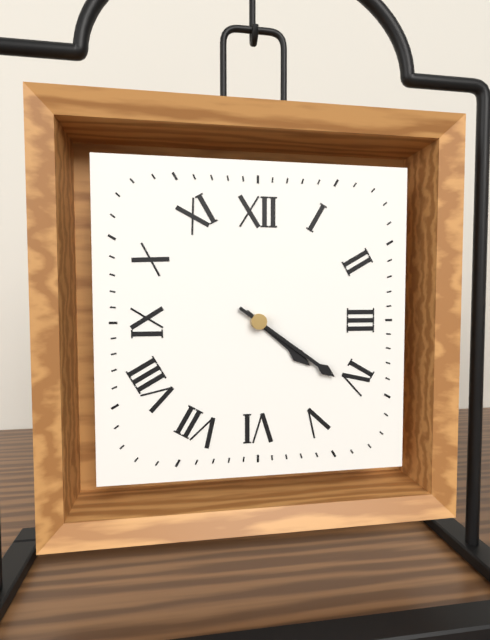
h=4 m=21
